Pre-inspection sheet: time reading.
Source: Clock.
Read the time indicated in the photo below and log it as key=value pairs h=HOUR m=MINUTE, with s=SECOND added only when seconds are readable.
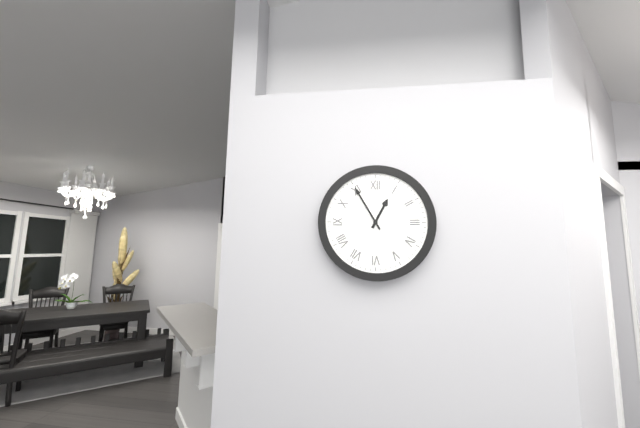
h=12 m=55
